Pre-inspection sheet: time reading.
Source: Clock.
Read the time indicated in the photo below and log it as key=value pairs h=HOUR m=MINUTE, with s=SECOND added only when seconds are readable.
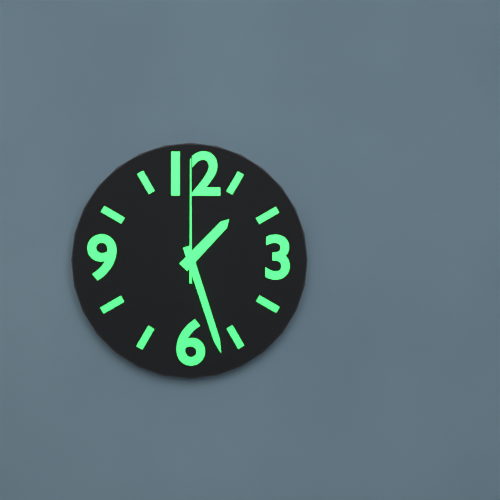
h=1 m=27 s=0
